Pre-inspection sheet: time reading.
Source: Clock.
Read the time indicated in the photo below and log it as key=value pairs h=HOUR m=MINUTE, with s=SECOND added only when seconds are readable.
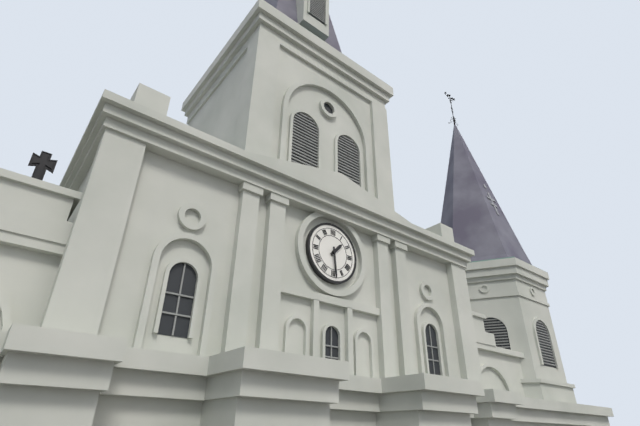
h=1 m=29
